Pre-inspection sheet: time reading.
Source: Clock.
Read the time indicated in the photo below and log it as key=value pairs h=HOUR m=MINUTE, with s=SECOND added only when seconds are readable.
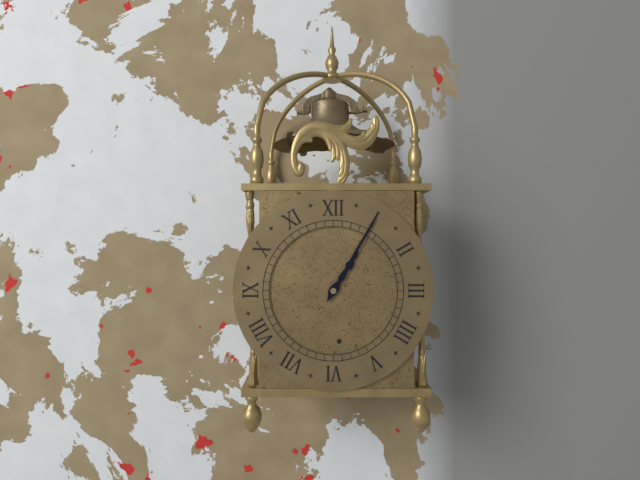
h=1 m=5
